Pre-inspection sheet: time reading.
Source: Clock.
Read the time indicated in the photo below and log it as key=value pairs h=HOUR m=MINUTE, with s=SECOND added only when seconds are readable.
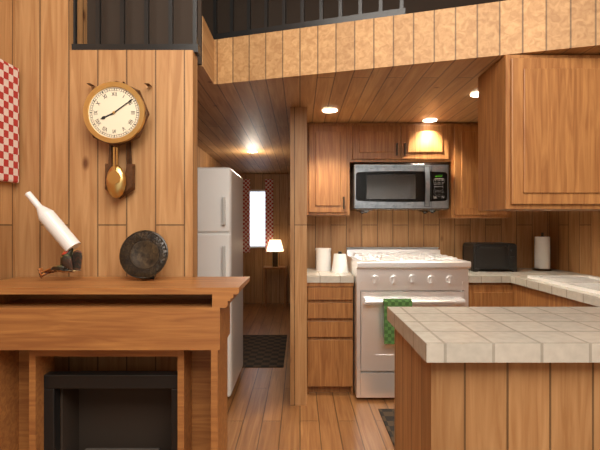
h=8 m=9
